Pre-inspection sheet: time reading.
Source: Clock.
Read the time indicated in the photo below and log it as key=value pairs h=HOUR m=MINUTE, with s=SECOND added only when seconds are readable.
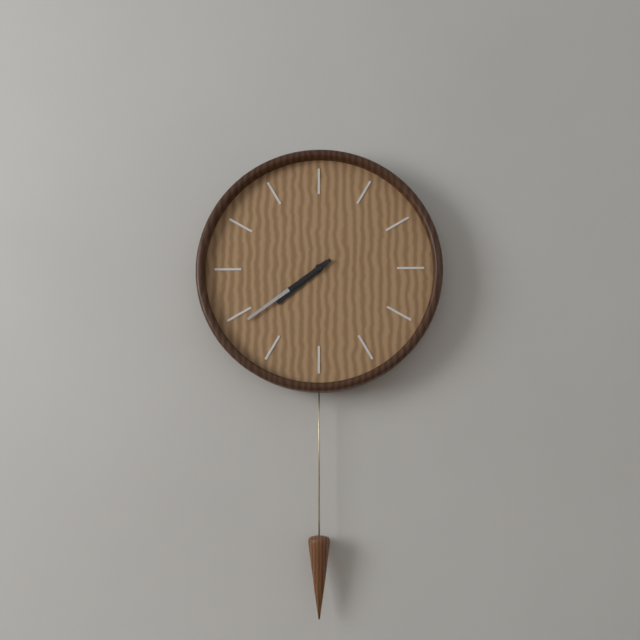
h=7 m=39
